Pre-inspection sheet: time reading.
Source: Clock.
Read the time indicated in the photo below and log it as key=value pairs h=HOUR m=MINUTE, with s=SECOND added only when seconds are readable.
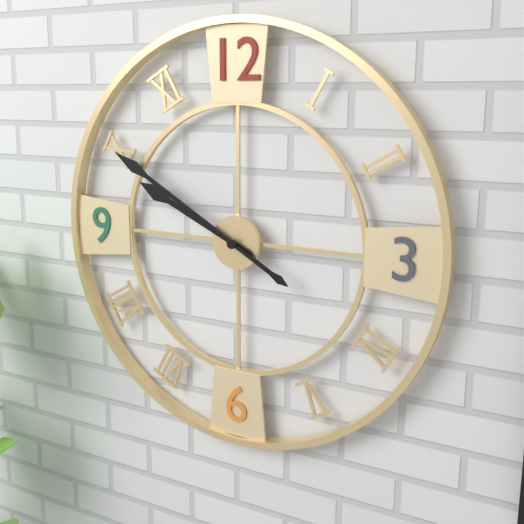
h=9 m=50
